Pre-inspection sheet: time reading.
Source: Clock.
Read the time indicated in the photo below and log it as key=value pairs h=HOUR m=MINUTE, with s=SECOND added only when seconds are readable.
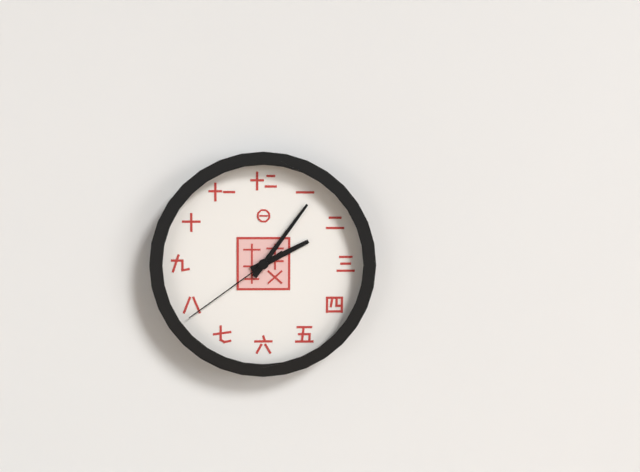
h=2 m=6 s=39
